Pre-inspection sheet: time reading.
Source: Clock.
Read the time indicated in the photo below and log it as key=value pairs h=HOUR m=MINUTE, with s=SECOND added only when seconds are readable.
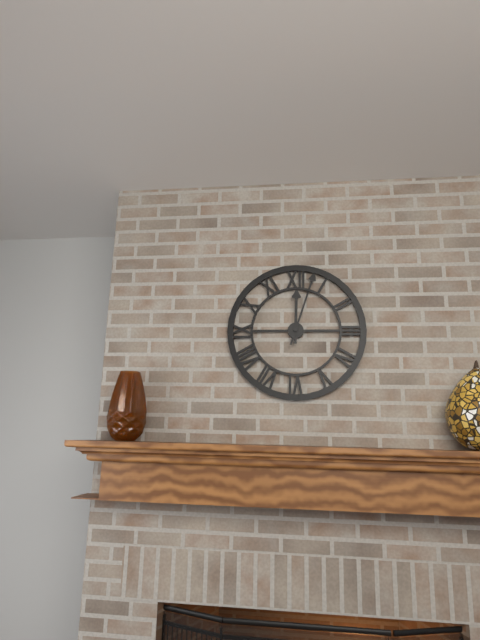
h=12 m=3
